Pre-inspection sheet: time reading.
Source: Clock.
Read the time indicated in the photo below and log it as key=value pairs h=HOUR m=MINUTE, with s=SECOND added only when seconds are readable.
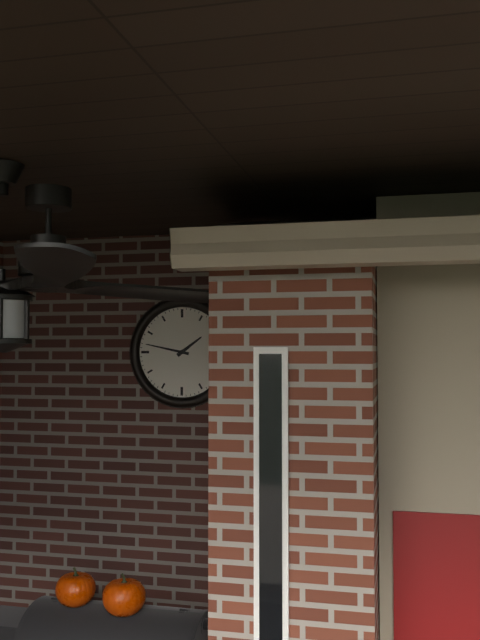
h=1 m=47
